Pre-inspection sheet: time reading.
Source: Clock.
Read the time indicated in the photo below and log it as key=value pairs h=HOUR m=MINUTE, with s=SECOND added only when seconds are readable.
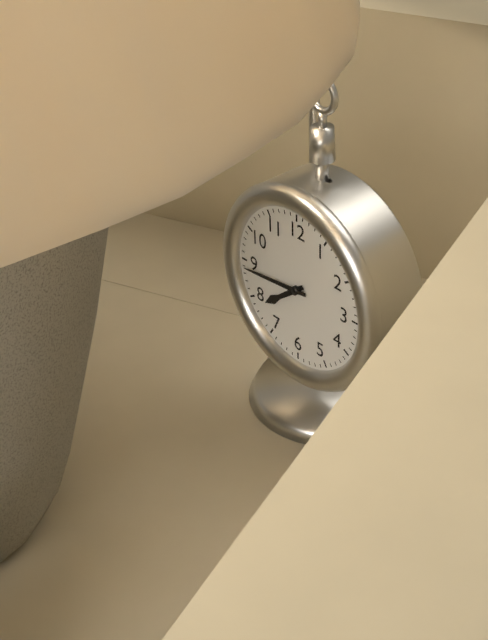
h=7 m=44
